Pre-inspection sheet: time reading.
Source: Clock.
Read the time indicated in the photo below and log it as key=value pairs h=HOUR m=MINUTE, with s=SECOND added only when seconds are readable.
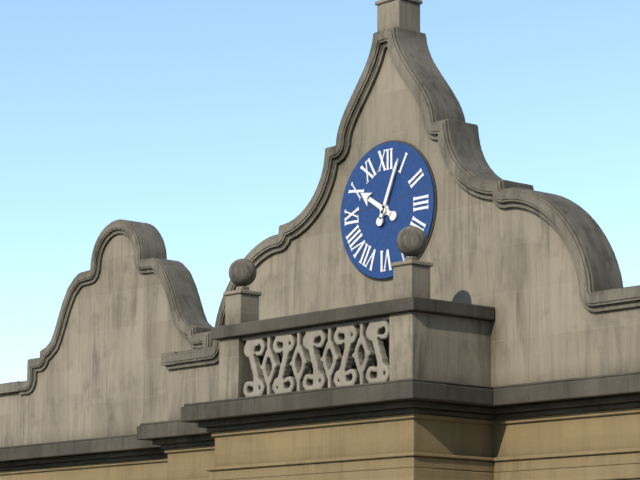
h=10 m=4
